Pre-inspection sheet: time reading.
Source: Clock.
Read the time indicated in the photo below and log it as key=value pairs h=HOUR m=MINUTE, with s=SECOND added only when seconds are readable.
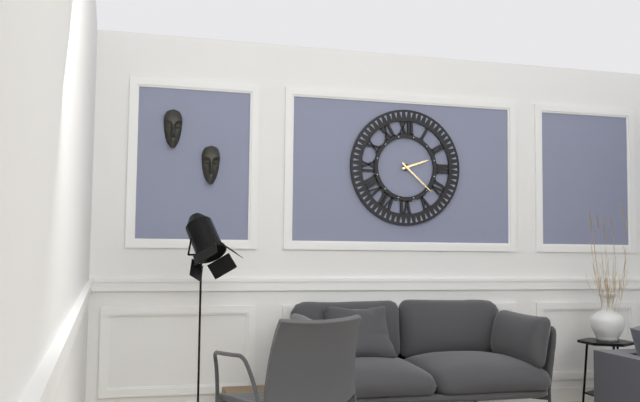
h=2 m=22
